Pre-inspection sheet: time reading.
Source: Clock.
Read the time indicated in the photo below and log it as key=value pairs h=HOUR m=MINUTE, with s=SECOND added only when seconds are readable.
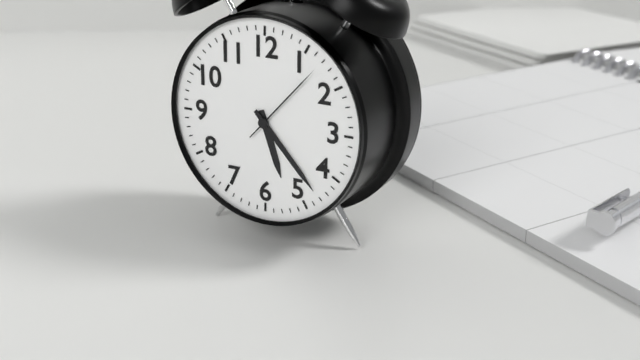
h=5 m=23 s=7
